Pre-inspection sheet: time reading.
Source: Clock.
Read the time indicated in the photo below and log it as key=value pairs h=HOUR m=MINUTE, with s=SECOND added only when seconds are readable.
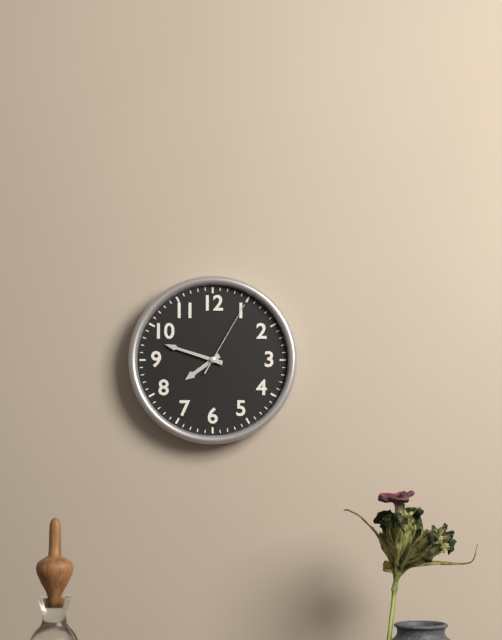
h=7 m=48 s=5
